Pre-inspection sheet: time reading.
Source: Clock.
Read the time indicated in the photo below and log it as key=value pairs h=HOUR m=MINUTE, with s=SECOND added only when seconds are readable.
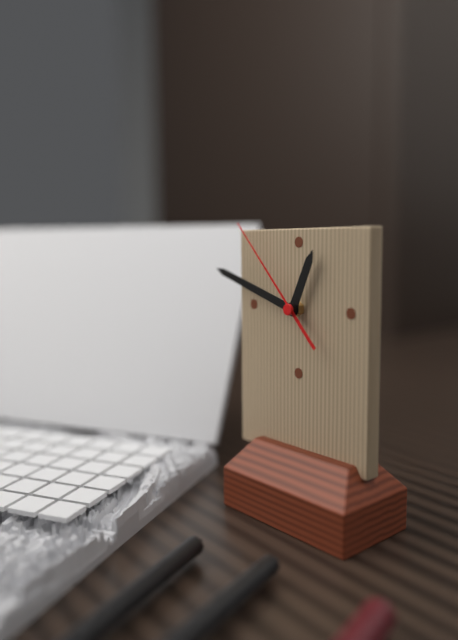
h=12 m=48 s=53
